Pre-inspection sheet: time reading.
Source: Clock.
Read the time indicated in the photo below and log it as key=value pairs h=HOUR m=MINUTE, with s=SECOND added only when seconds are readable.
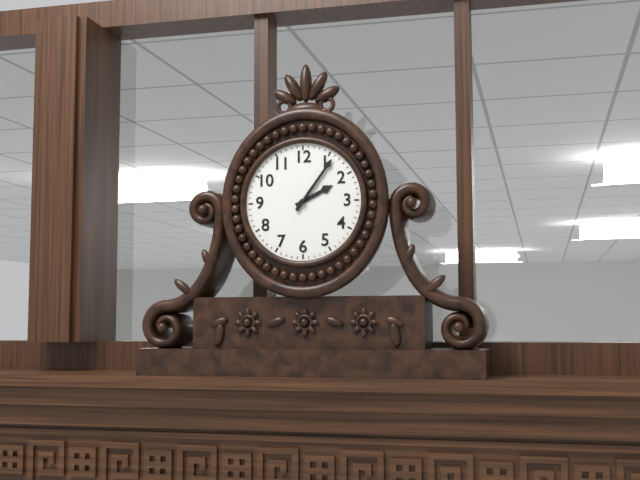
h=2 m=6
